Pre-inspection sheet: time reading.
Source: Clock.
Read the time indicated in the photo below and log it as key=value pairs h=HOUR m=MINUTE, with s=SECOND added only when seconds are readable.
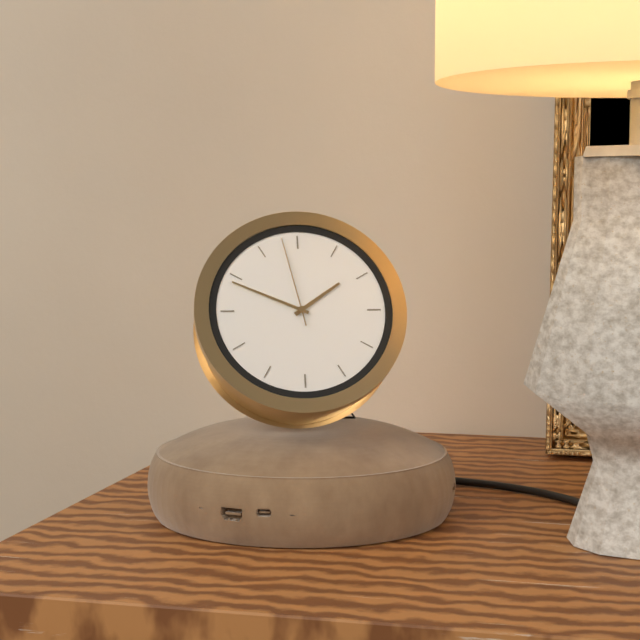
h=1 m=49 s=58
